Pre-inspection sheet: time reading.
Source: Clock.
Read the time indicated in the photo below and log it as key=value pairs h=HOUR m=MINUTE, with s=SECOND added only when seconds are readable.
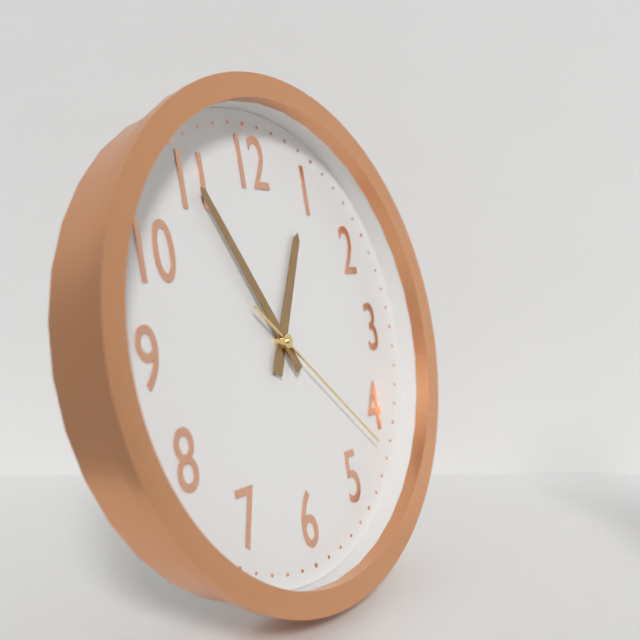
h=12 m=55 s=22
